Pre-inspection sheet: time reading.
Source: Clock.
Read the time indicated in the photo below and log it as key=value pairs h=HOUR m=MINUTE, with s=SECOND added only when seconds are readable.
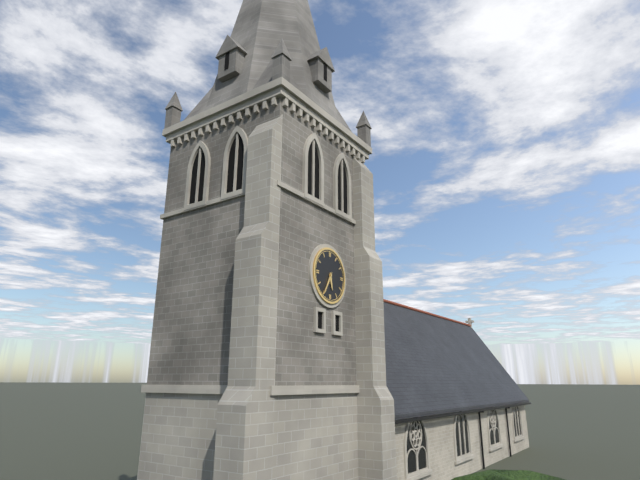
h=5 m=35
